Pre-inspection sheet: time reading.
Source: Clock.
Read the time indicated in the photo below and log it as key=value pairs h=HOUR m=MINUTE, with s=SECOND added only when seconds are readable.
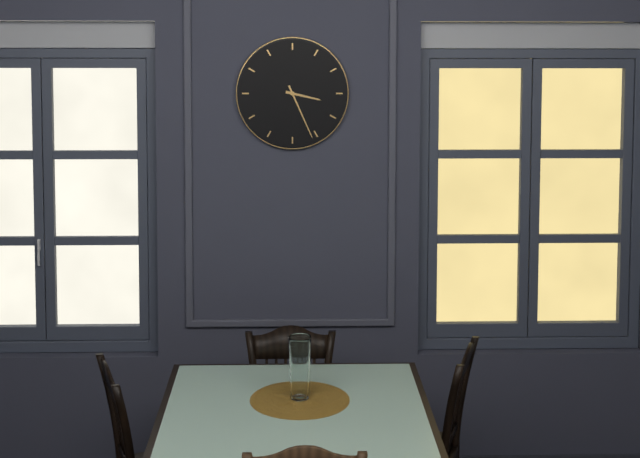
h=3 m=26
